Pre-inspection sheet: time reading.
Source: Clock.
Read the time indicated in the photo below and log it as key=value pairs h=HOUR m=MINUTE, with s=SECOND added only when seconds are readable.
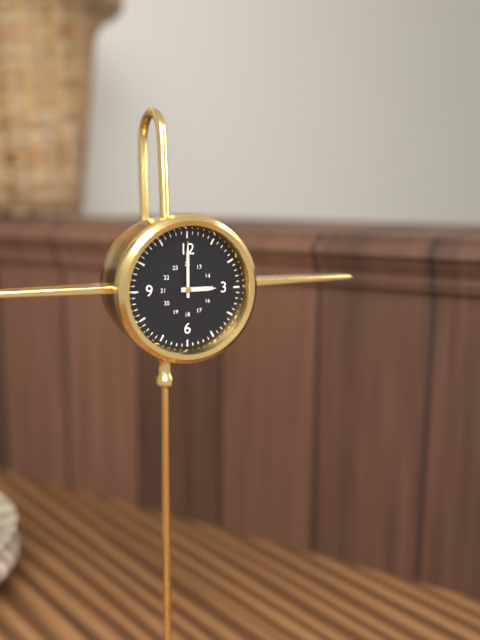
h=3 m=0
